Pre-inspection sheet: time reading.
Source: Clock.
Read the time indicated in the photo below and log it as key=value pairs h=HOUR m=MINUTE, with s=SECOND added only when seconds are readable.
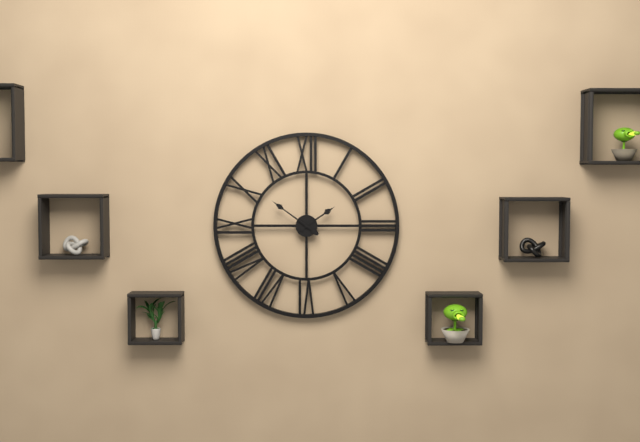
h=1 m=51
